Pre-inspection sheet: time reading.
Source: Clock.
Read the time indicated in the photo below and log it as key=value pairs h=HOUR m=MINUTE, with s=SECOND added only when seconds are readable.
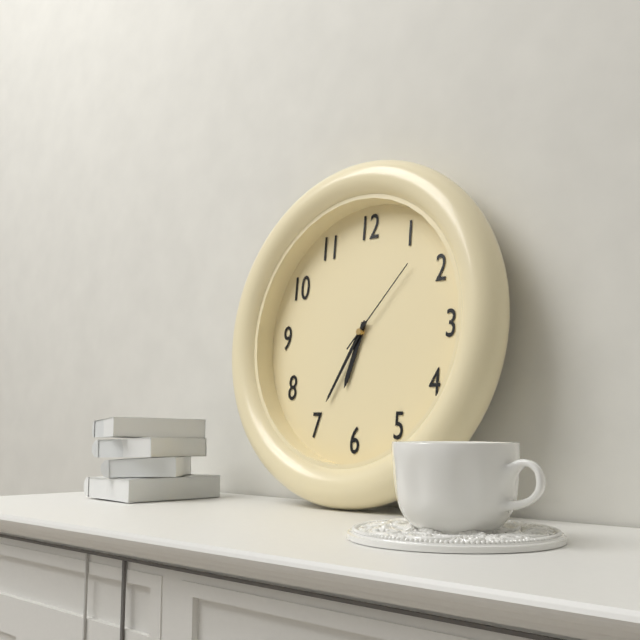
h=6 m=35 s=7
